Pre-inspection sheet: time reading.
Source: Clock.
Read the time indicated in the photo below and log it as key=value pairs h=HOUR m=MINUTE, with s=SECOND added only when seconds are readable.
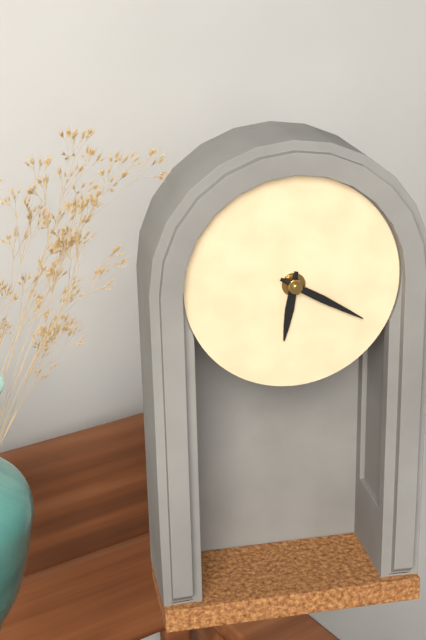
h=6 m=20
